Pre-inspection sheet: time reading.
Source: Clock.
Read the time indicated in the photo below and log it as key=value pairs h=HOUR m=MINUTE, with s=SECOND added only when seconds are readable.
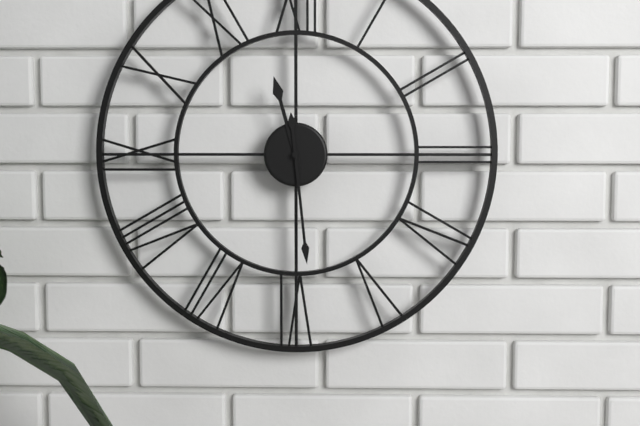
h=11 m=29
